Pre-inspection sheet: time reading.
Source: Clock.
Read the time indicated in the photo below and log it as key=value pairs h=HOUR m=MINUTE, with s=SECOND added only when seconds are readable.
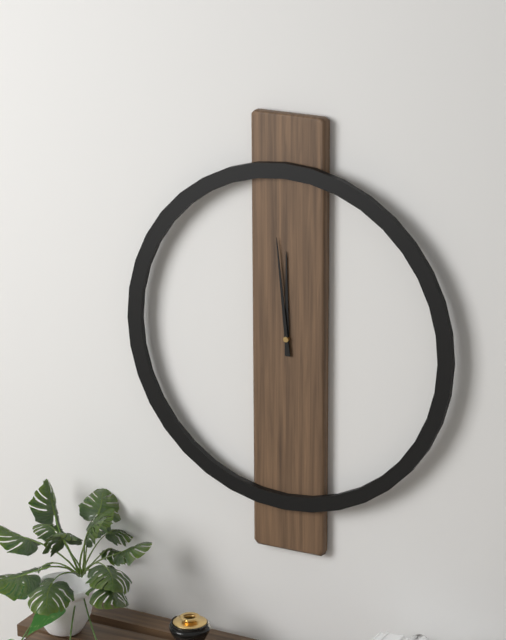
h=11 m=59
